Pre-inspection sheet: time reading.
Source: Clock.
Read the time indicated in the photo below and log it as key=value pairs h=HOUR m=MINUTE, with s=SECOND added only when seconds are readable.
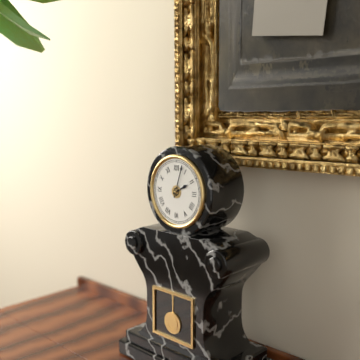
h=2 m=3
